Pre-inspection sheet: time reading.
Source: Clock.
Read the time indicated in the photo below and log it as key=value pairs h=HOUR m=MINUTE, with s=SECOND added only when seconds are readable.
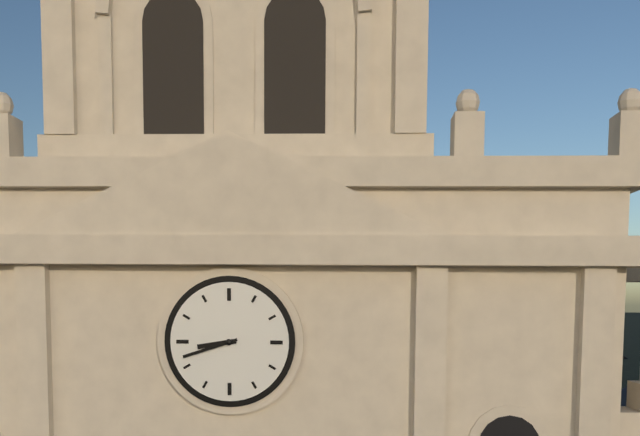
h=8 m=42
